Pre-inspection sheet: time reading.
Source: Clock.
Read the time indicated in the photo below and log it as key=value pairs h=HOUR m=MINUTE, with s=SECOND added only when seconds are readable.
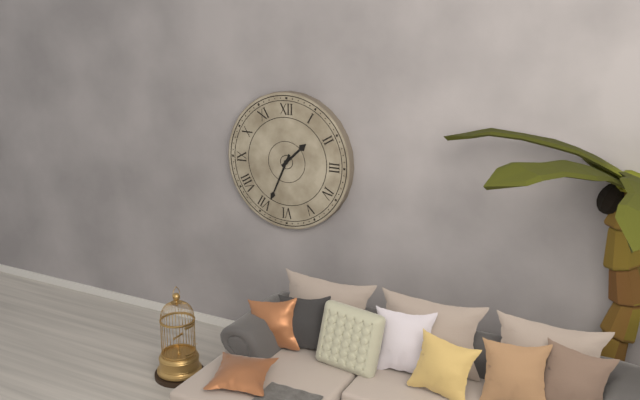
h=1 m=34
